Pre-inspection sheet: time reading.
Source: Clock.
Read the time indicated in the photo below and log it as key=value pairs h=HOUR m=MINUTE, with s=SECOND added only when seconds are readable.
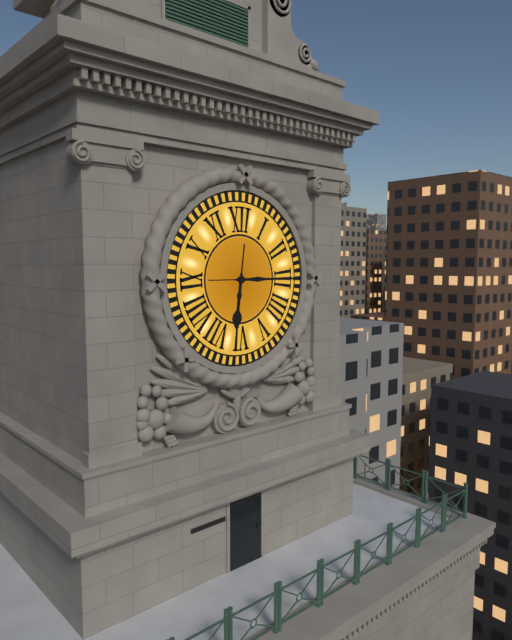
h=6 m=15
